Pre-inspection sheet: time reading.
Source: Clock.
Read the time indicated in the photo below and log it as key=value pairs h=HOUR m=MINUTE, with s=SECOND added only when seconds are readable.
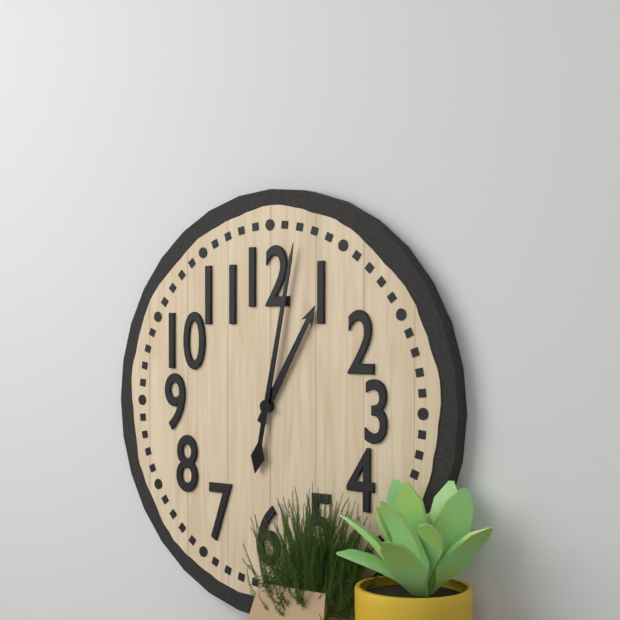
h=1 m=2
